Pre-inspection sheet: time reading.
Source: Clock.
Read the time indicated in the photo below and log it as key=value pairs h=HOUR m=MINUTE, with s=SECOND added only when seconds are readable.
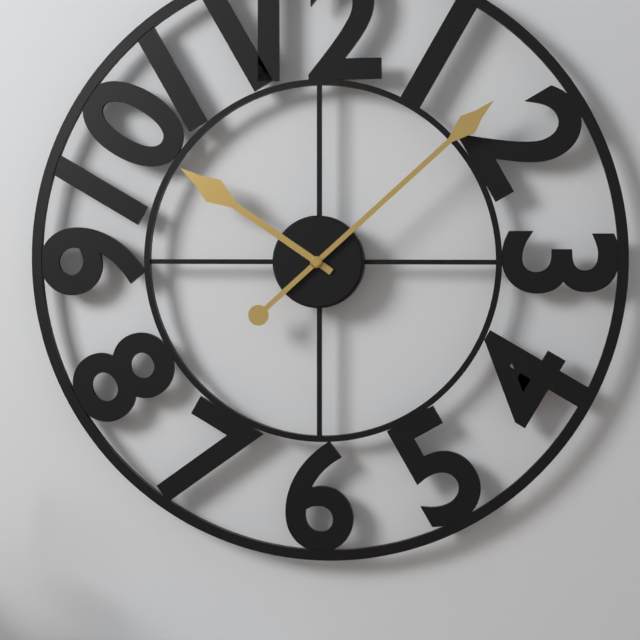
h=10 m=8
